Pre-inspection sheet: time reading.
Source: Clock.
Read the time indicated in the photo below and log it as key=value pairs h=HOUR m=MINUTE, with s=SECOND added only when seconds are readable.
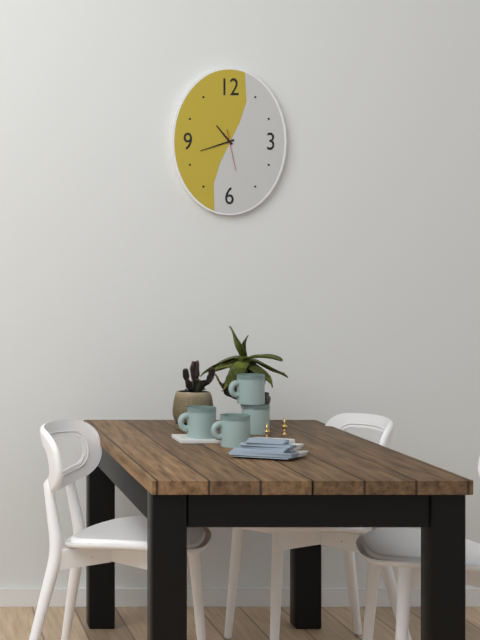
h=10 m=42
